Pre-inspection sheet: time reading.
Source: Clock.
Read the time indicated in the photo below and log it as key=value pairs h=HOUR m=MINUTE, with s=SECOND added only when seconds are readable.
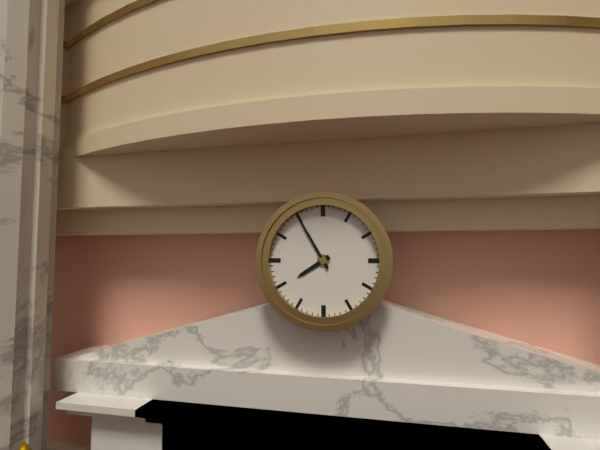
h=7 m=55
